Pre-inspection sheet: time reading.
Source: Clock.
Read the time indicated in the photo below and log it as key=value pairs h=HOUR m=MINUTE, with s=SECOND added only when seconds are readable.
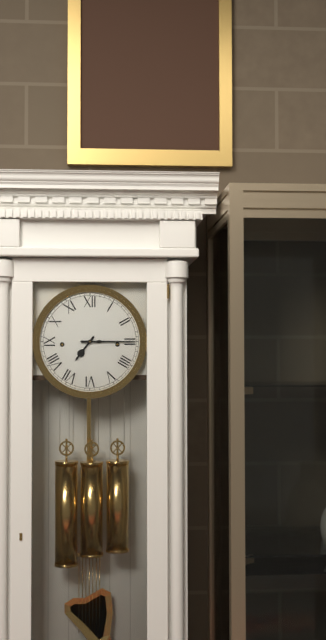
h=7 m=15
